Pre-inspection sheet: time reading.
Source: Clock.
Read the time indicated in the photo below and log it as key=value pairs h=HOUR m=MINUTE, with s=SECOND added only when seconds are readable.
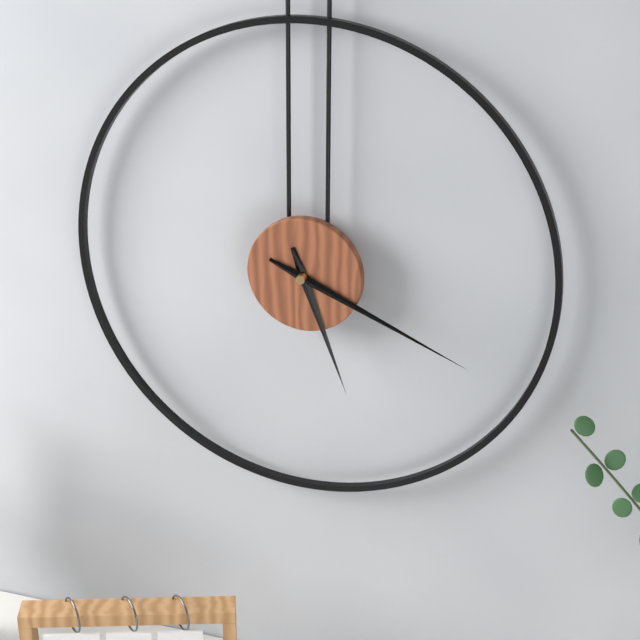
h=5 m=19
